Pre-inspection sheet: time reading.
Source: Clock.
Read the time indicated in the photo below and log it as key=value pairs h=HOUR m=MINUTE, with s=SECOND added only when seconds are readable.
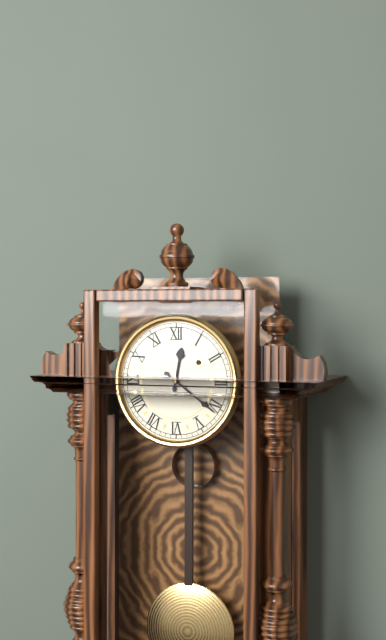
h=12 m=21
